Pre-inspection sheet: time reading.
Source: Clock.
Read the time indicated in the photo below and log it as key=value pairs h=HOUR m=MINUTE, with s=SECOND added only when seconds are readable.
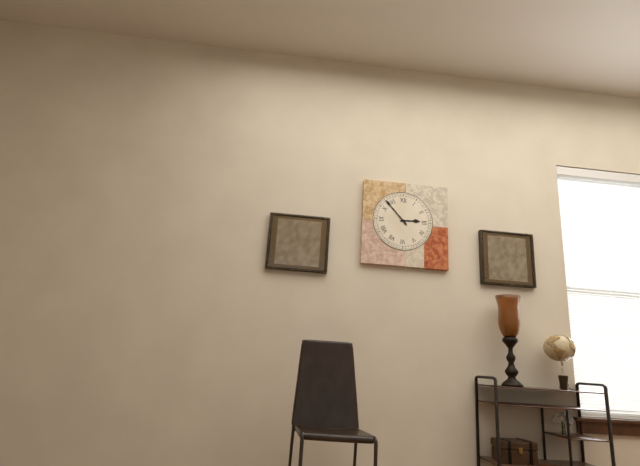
h=2 m=53
